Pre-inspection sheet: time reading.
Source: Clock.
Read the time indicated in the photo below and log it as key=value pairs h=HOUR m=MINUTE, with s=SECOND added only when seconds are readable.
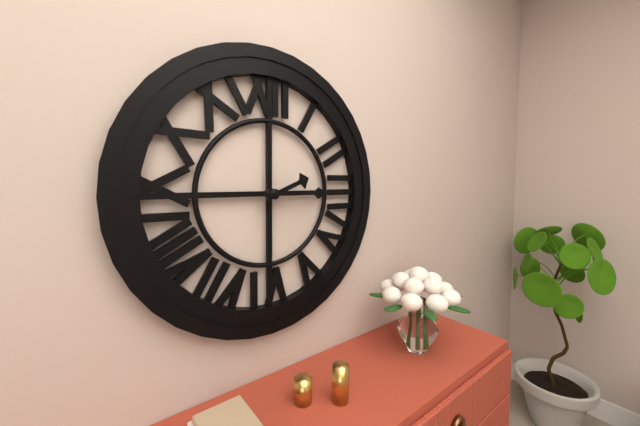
h=2 m=15
